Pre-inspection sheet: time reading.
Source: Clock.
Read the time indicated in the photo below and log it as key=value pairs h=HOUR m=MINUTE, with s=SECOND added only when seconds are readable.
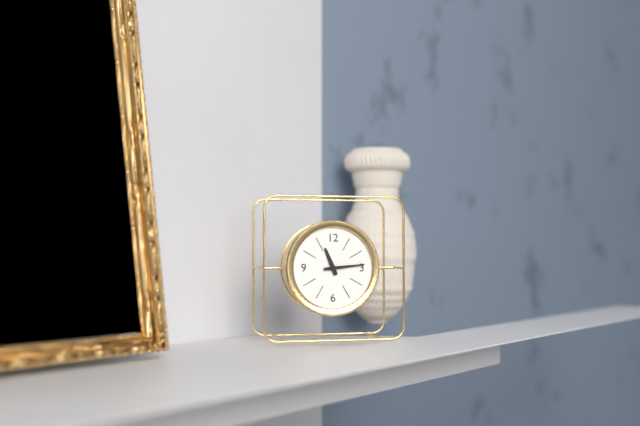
h=11 m=14
